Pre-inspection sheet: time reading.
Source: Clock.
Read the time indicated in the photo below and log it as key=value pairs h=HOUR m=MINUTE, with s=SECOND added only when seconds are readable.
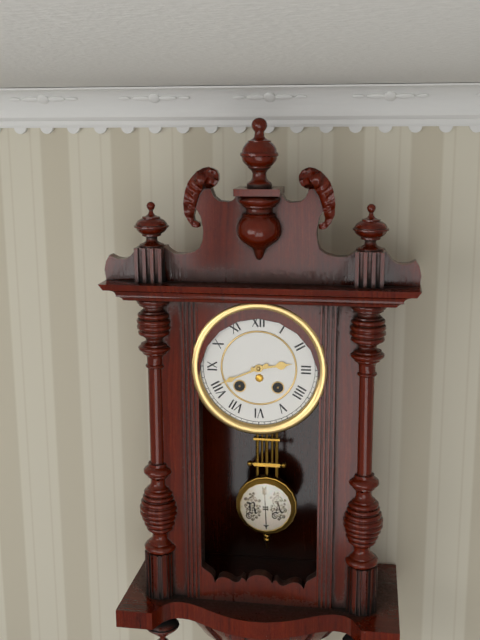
h=2 m=41
